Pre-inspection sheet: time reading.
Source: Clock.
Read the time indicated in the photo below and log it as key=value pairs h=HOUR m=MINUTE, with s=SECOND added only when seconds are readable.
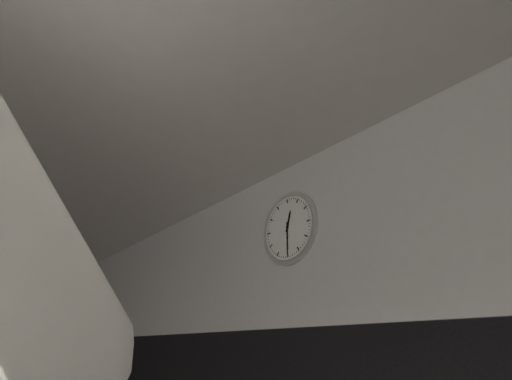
h=12 m=30
